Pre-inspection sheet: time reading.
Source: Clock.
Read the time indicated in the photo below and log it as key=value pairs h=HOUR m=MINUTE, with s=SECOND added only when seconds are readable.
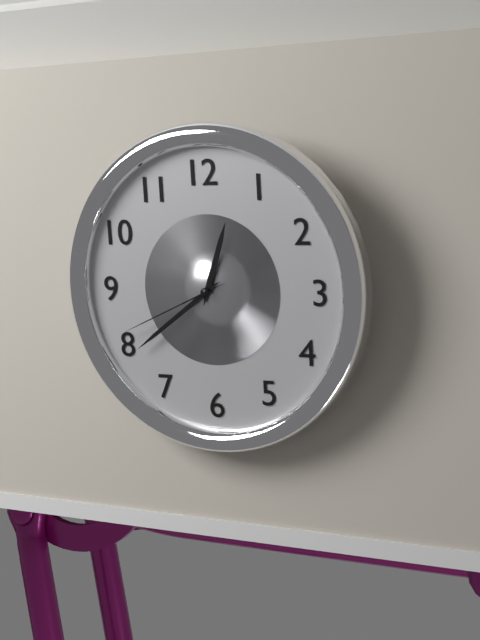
h=12 m=39 s=41
